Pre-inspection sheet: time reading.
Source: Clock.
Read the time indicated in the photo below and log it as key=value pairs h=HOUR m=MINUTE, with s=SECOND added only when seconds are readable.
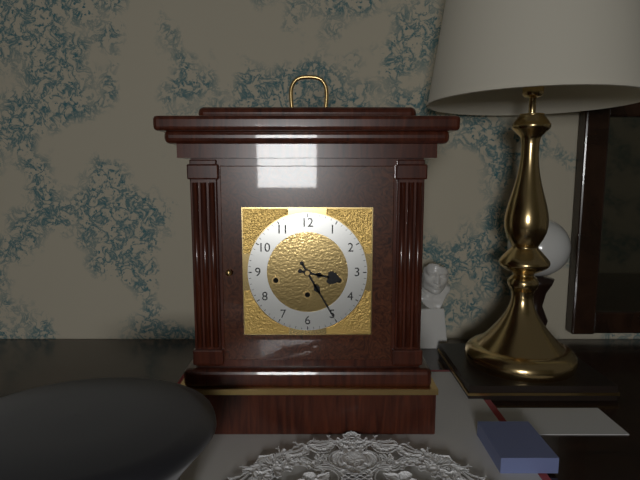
h=3 m=25
